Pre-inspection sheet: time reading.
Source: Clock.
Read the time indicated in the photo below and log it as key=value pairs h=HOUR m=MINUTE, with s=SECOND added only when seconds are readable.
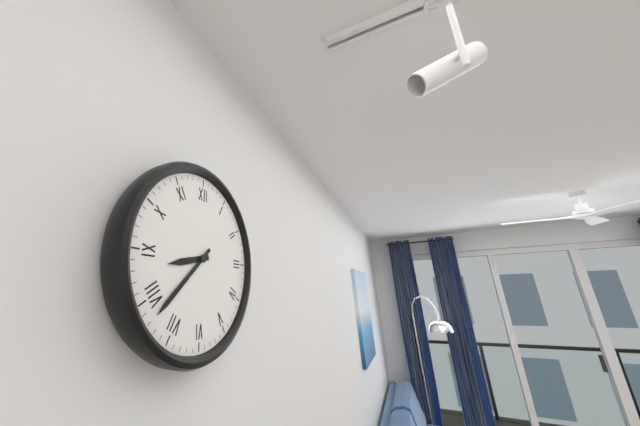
h=8 m=38
